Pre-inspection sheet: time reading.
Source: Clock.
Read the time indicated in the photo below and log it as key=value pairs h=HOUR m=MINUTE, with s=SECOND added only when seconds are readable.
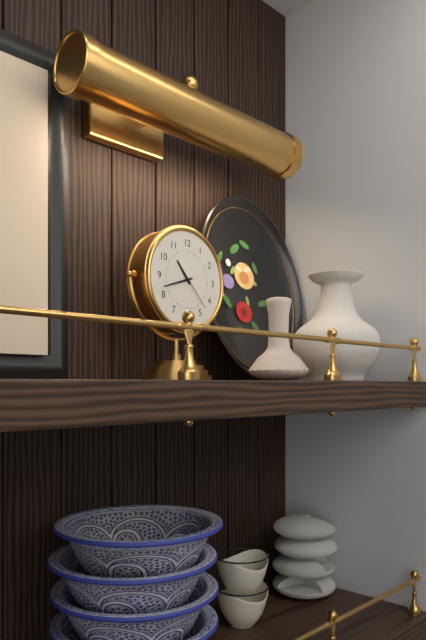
h=10 m=42
